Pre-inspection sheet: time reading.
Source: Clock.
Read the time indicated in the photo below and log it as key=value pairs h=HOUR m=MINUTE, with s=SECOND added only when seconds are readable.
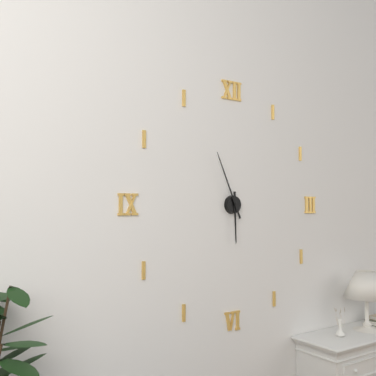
h=5 m=56
